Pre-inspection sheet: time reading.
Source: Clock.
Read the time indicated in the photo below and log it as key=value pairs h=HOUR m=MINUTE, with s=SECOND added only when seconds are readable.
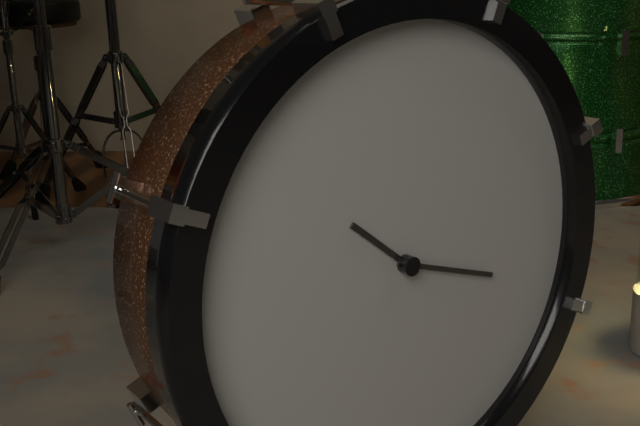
h=10 m=18
